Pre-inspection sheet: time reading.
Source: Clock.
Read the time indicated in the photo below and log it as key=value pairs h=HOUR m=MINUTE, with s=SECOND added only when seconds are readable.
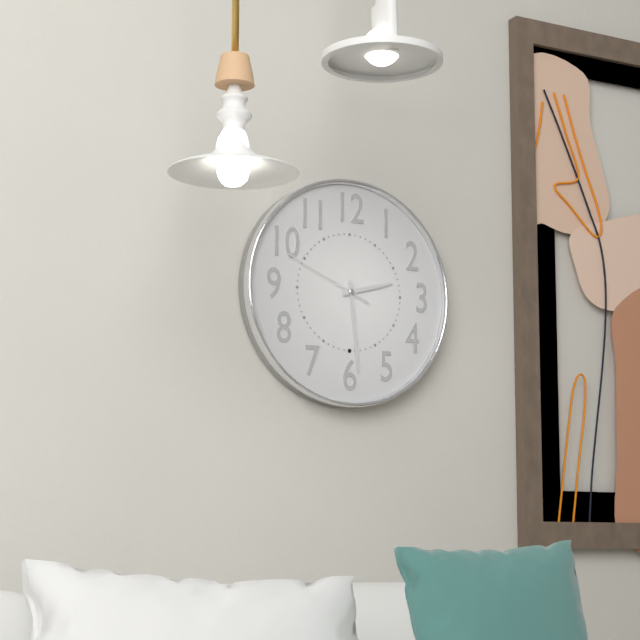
h=2 m=29 s=49
